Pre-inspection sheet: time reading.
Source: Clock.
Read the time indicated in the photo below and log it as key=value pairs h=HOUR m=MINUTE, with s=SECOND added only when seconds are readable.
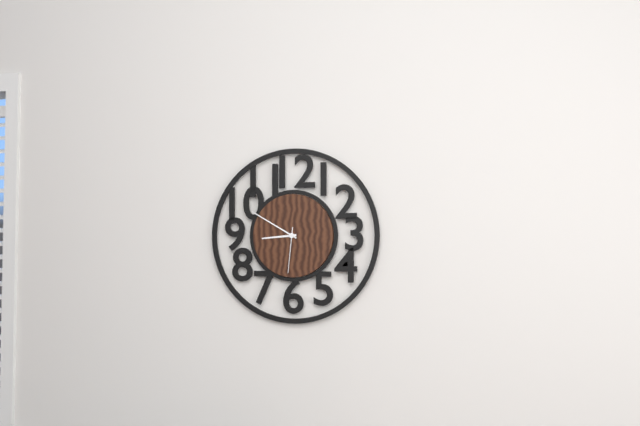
h=8 m=50
